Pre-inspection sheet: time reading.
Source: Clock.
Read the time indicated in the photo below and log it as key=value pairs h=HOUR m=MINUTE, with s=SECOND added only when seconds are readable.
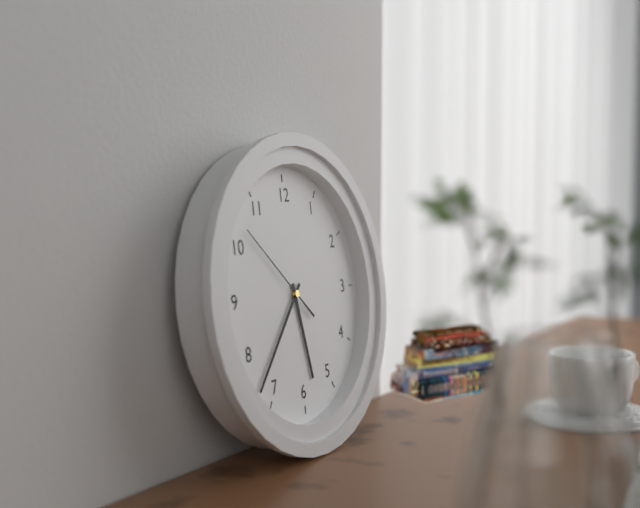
h=5 m=37 s=52
